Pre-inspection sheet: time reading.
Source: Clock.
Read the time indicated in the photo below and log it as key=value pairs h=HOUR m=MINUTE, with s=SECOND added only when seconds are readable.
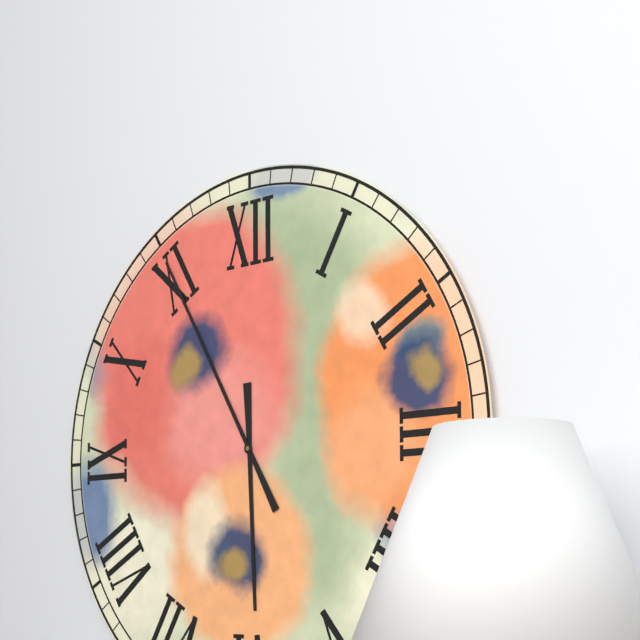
h=5 m=55
